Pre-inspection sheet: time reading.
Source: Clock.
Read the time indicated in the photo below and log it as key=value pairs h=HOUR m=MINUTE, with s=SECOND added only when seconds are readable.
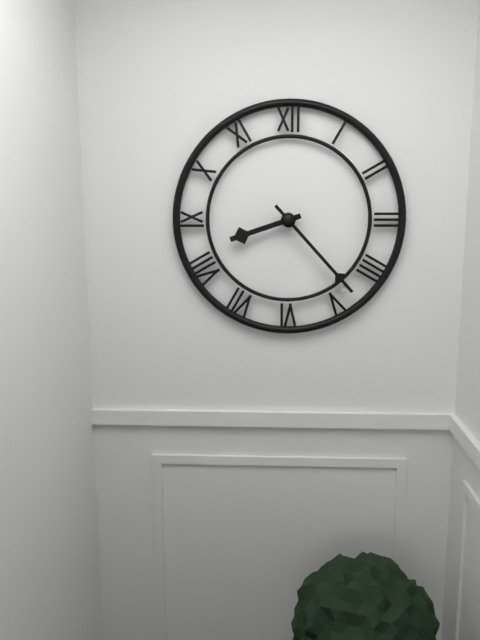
h=8 m=23
